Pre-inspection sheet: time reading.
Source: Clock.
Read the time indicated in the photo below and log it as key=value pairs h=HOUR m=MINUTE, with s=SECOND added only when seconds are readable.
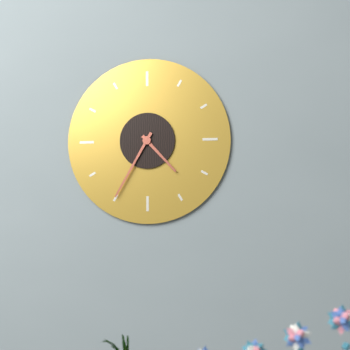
h=4 m=35
